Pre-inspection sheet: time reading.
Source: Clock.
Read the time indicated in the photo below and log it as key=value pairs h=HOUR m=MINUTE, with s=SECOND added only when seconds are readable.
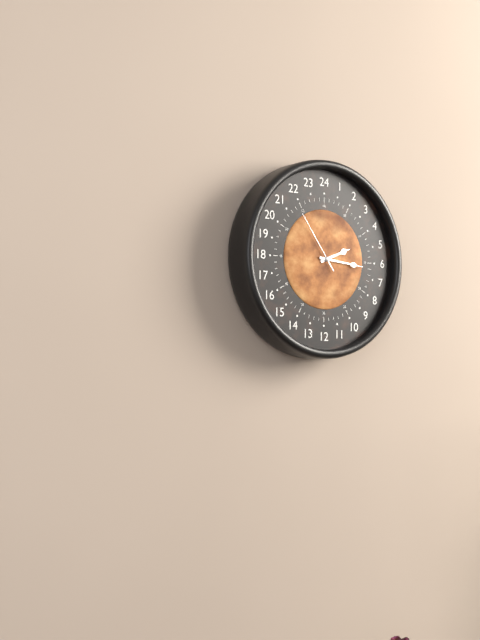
h=2 m=16 s=54
